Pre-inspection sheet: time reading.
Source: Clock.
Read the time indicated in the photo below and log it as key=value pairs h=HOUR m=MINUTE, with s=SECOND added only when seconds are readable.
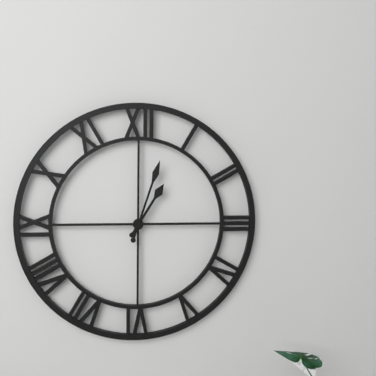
h=1 m=3
